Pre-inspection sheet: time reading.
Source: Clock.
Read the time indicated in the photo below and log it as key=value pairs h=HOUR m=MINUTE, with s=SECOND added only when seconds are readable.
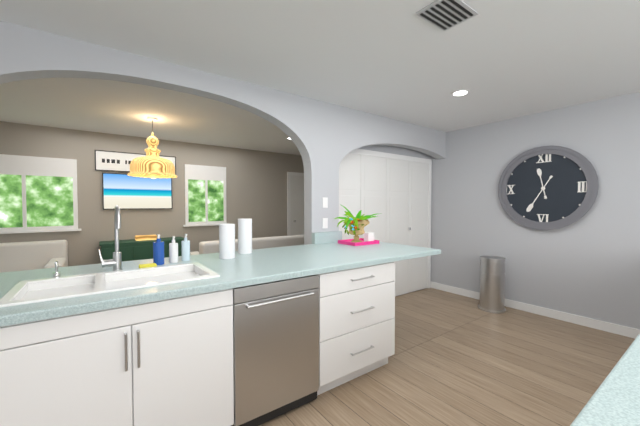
h=11 m=35
